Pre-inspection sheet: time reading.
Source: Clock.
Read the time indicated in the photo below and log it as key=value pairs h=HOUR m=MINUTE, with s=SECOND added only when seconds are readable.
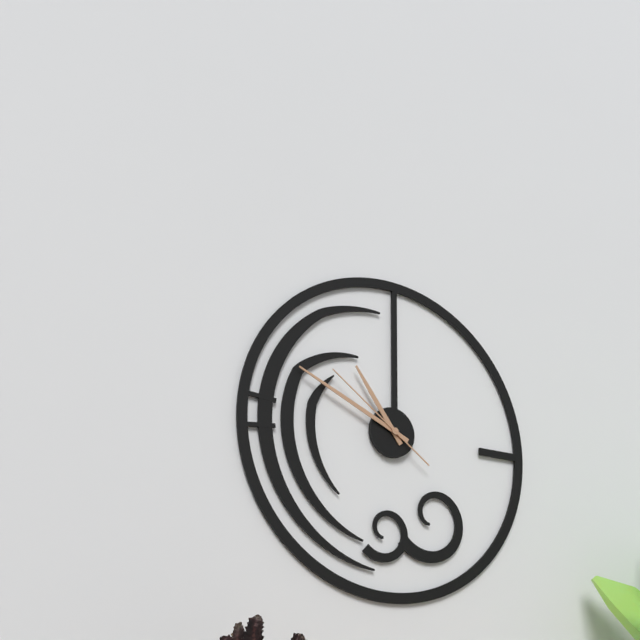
h=10 m=49 s=51
